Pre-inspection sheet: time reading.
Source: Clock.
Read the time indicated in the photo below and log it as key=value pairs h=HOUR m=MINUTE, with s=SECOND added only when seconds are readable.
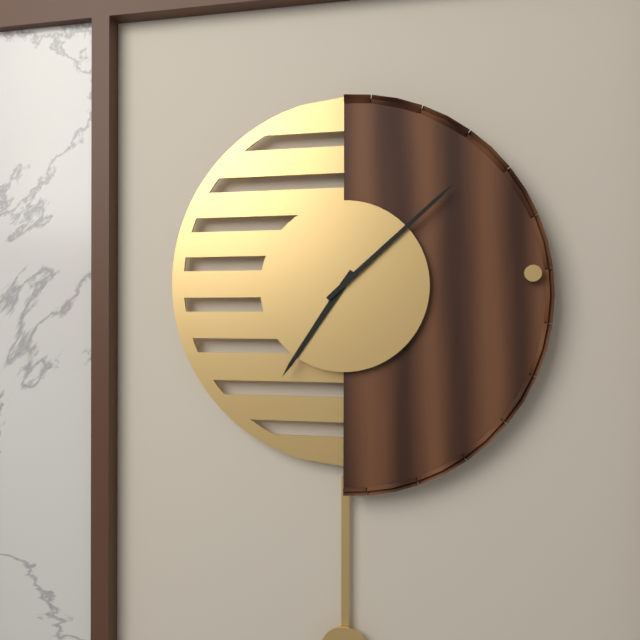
h=7 m=8
